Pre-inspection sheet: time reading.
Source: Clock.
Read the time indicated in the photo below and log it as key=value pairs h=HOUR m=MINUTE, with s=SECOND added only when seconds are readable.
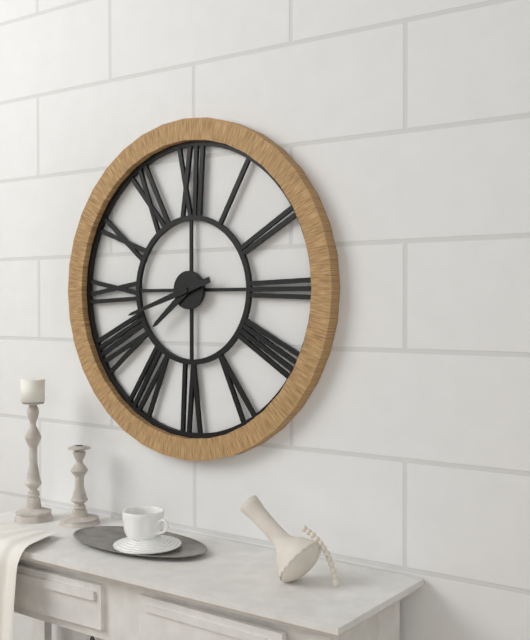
h=7 m=42
